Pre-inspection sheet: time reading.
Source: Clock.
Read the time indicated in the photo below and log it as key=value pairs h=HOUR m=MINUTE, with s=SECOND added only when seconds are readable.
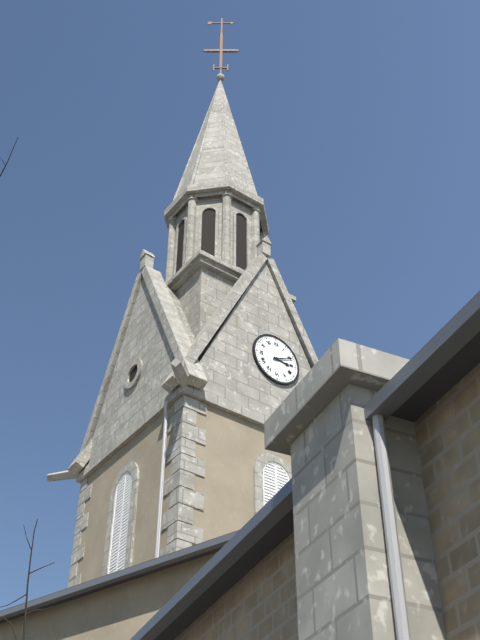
h=3 m=11
